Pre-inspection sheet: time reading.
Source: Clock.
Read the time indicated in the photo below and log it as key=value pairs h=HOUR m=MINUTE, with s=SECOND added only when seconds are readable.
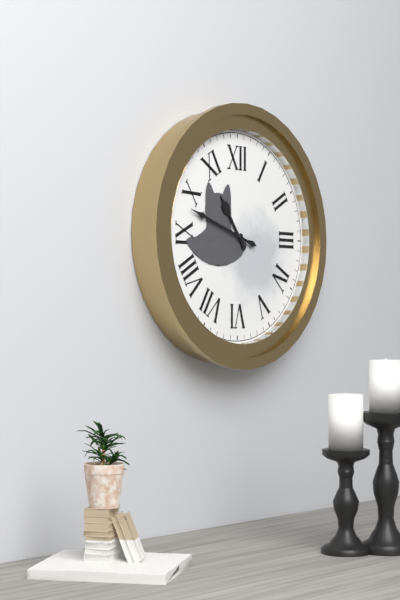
h=10 m=48
